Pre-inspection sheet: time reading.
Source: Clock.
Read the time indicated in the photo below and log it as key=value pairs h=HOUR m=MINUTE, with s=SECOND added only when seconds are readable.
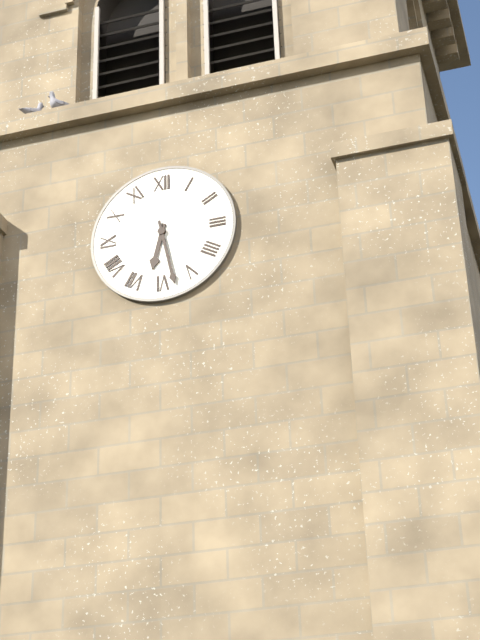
h=6 m=28
